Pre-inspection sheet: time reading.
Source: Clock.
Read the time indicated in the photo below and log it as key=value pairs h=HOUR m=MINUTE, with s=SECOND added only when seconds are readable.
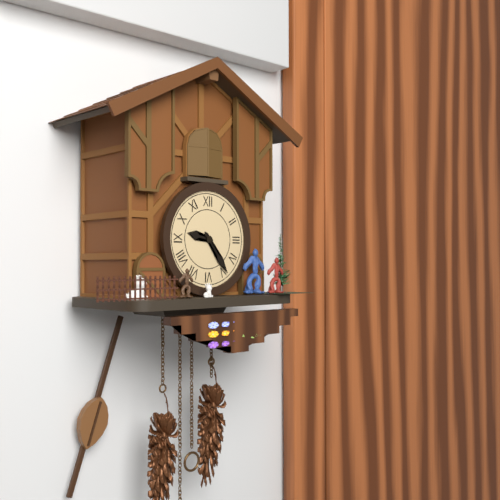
h=9 m=24
